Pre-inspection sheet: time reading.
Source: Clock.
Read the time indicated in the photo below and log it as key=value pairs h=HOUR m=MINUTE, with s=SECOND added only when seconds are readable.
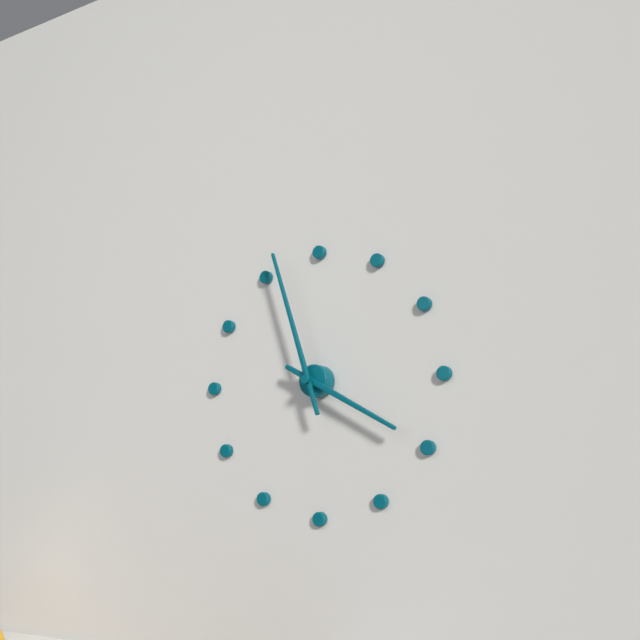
h=3 m=57
